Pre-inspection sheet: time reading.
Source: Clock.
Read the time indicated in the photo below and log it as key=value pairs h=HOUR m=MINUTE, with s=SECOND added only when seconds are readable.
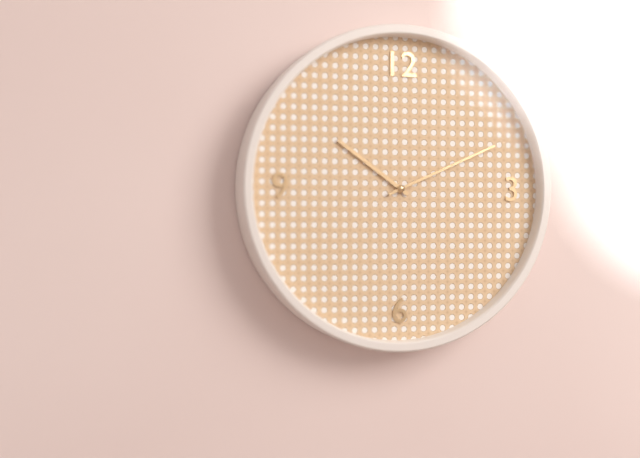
h=10 m=11
